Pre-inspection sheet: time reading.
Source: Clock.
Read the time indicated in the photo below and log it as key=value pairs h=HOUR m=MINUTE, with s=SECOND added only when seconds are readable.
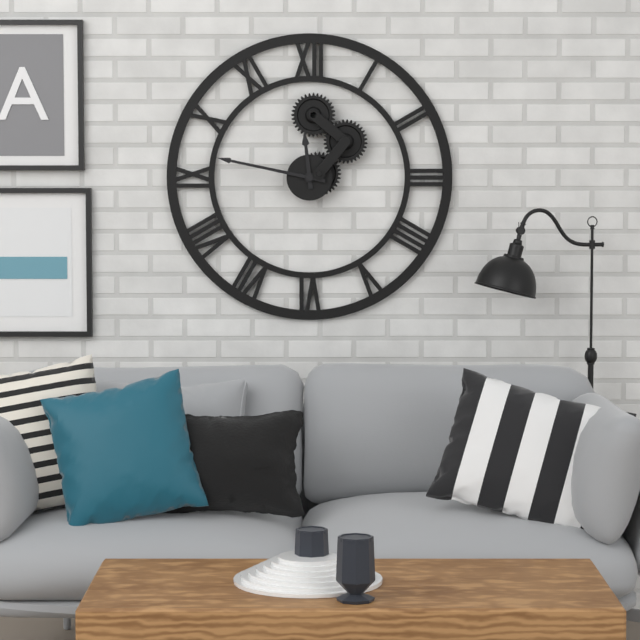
h=11 m=47
